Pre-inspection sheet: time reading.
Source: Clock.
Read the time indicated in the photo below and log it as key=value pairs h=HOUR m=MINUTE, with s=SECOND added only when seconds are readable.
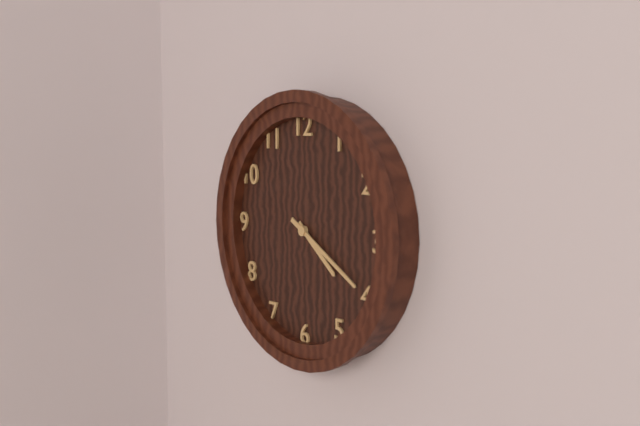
h=4 m=20
